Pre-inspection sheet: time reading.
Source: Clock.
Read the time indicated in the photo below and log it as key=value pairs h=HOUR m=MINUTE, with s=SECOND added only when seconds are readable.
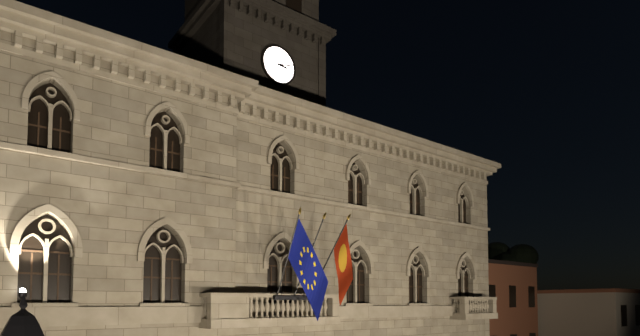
h=3 m=13
